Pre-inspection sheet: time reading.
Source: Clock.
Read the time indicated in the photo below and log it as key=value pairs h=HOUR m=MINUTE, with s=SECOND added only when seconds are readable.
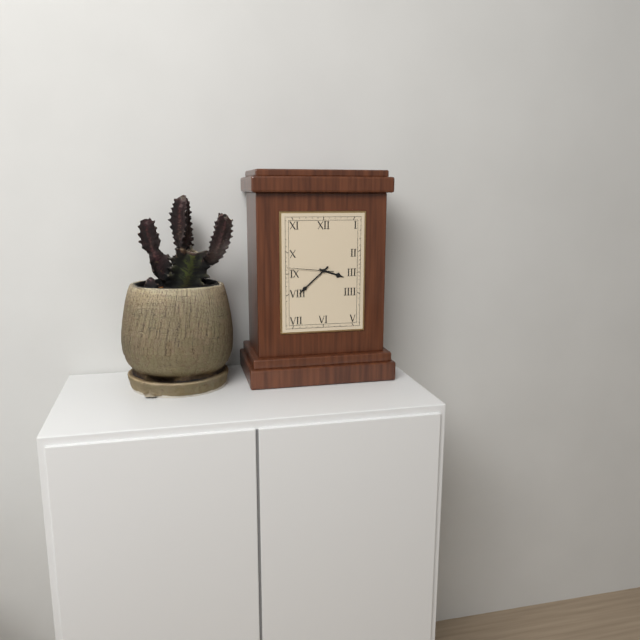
h=3 m=38
